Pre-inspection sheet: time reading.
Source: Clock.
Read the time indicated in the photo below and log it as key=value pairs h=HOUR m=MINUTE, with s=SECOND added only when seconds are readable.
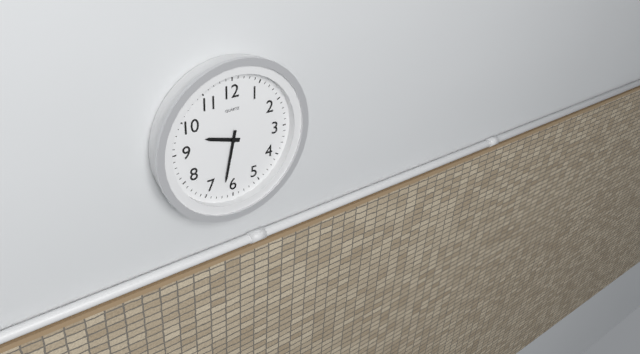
h=9 m=32
